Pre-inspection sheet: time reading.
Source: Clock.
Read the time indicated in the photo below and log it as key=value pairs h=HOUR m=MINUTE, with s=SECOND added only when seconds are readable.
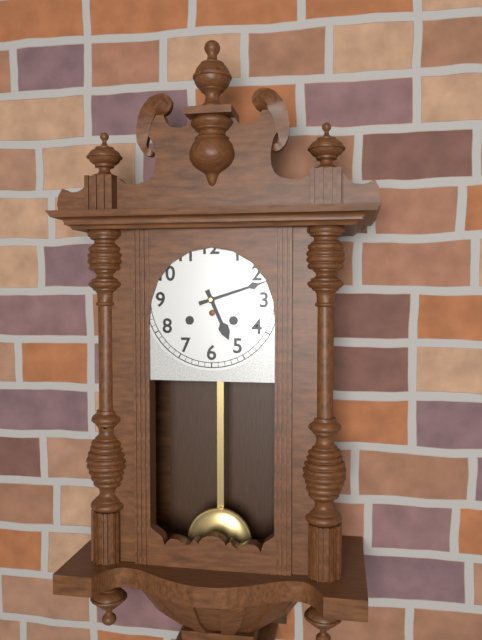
h=5 m=12
